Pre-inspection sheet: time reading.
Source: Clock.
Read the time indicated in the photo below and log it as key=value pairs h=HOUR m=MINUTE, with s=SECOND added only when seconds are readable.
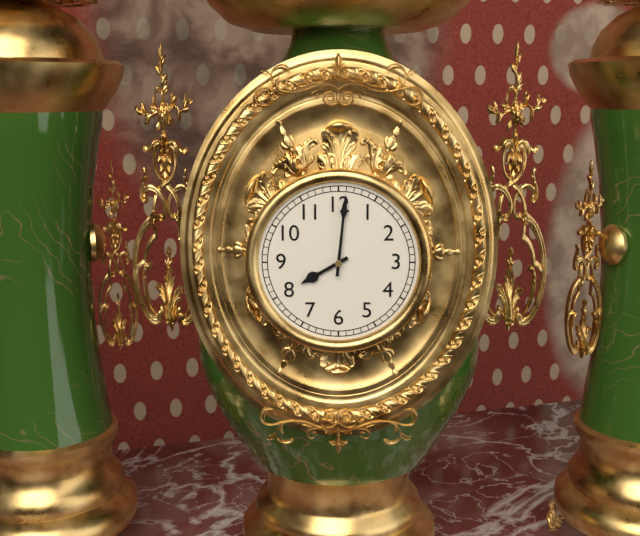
h=8 m=1
